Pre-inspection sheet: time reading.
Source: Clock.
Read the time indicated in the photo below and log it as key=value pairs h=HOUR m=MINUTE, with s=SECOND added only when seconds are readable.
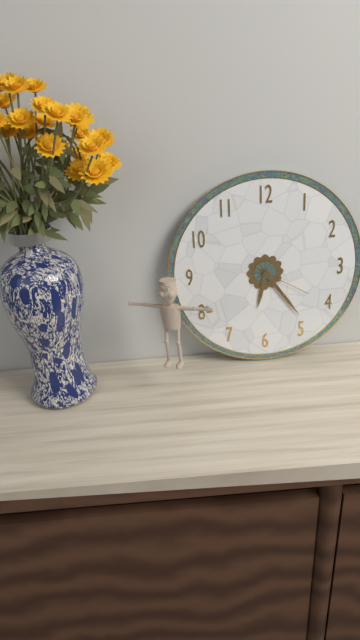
h=6 m=24 s=20
